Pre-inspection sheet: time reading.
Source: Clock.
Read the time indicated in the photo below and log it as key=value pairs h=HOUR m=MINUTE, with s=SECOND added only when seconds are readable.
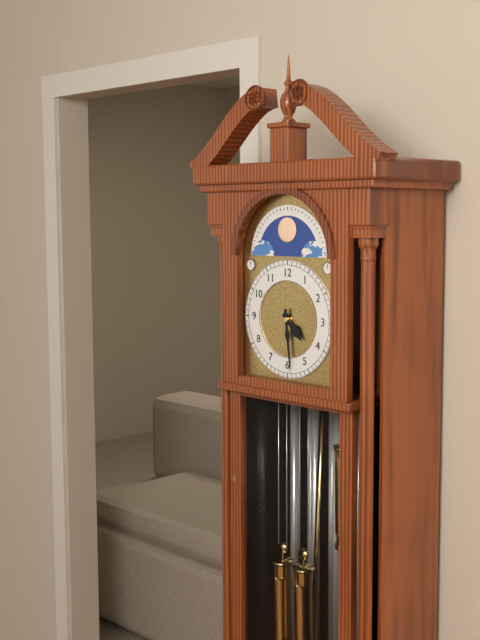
h=4 m=29
